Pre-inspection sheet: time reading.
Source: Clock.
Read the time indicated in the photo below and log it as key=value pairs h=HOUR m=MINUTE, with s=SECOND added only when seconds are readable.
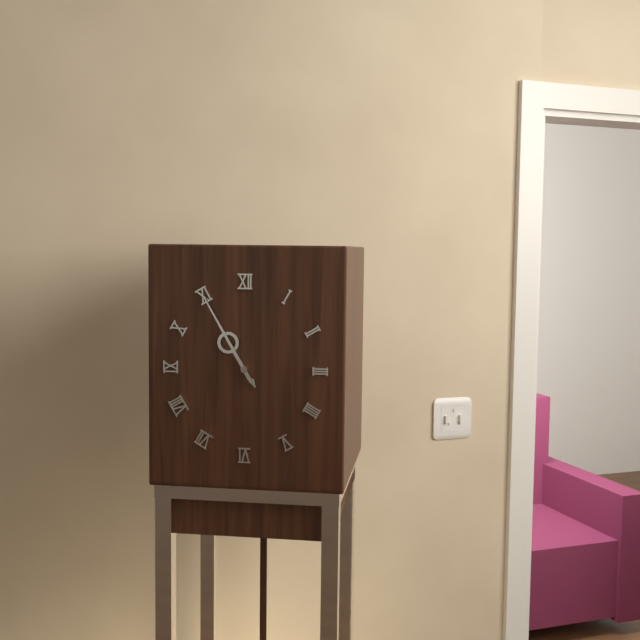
h=10 m=55
